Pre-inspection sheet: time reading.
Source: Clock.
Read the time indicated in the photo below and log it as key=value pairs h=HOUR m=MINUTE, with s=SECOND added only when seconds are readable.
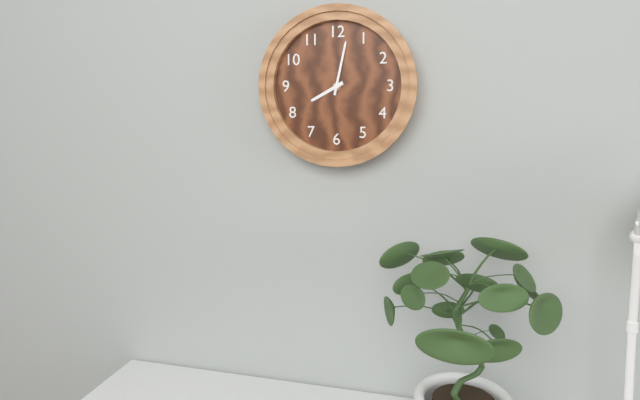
h=8 m=2
